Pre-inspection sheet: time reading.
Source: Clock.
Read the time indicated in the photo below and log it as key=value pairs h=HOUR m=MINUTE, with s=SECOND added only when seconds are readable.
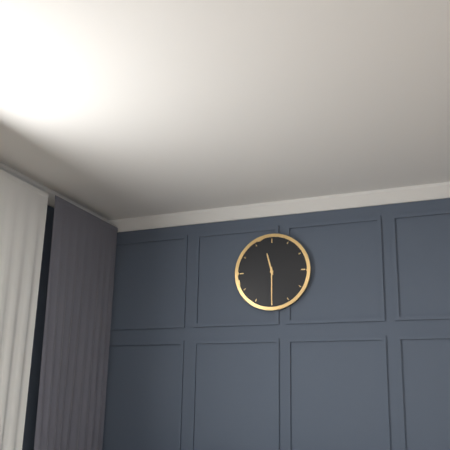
h=11 m=30
